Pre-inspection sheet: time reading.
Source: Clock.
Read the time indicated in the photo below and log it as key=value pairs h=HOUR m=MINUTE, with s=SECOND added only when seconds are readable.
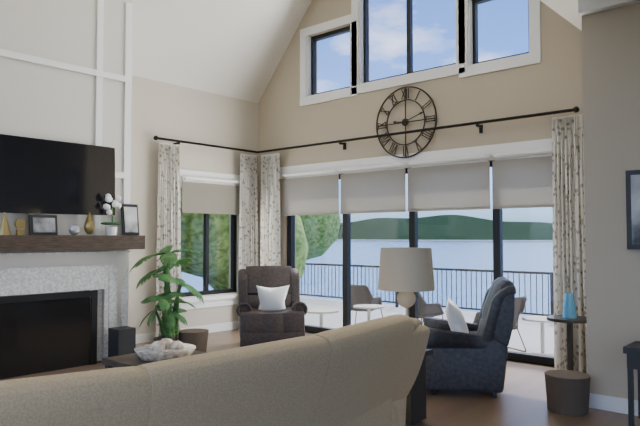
h=9 m=12
